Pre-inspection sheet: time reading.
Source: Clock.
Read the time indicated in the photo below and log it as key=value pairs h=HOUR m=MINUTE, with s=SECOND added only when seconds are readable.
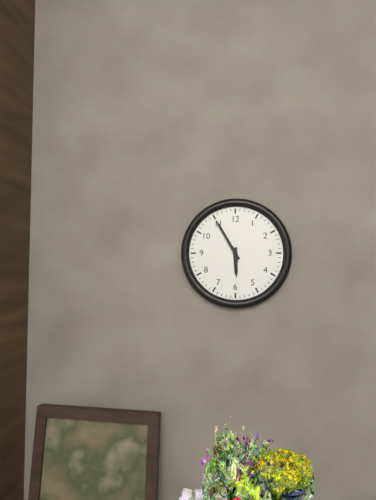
h=5 m=55
